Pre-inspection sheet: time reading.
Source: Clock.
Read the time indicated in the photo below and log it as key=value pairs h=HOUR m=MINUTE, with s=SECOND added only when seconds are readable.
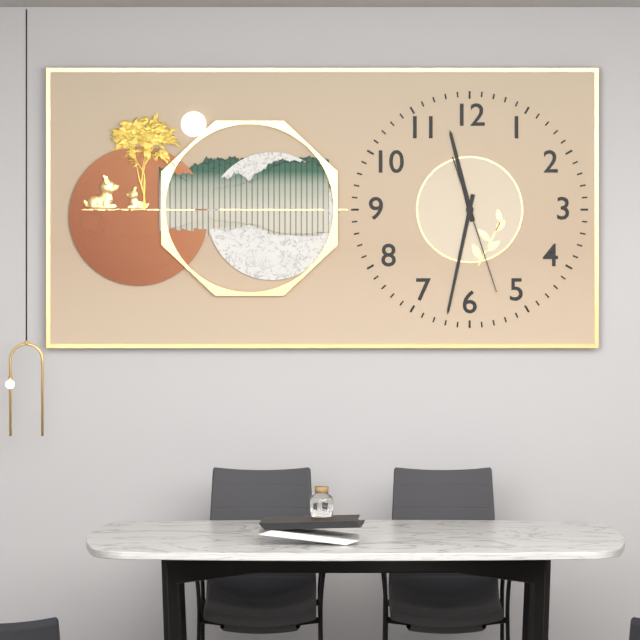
h=11 m=32 s=27
